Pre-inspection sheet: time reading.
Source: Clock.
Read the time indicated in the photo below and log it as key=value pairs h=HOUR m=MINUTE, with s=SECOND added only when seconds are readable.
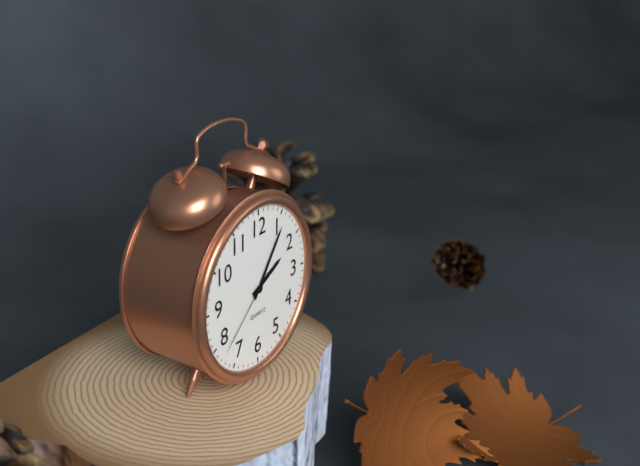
h=2 m=6 s=38
